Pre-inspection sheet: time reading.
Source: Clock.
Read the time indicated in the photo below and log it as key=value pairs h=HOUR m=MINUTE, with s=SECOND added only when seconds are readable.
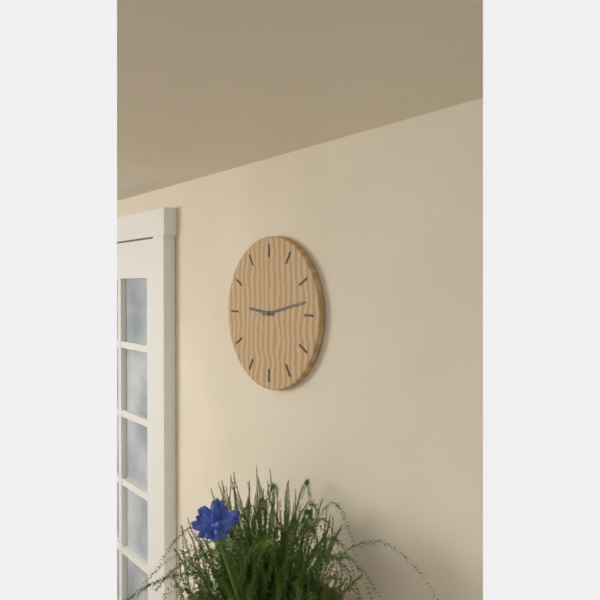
h=9 m=13
